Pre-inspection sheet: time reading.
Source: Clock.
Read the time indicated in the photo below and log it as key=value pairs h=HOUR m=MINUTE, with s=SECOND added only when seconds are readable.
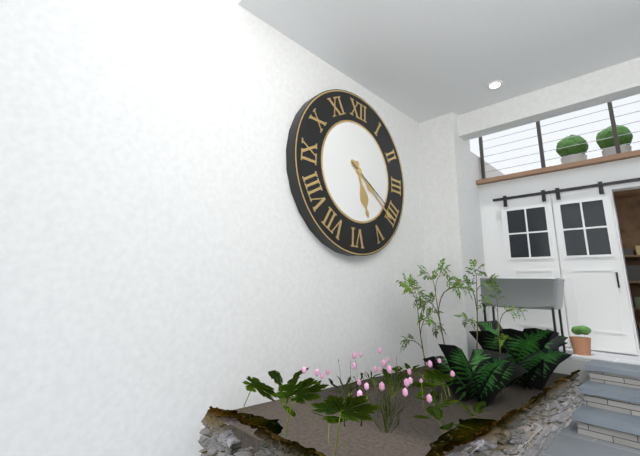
h=5 m=21 s=20
